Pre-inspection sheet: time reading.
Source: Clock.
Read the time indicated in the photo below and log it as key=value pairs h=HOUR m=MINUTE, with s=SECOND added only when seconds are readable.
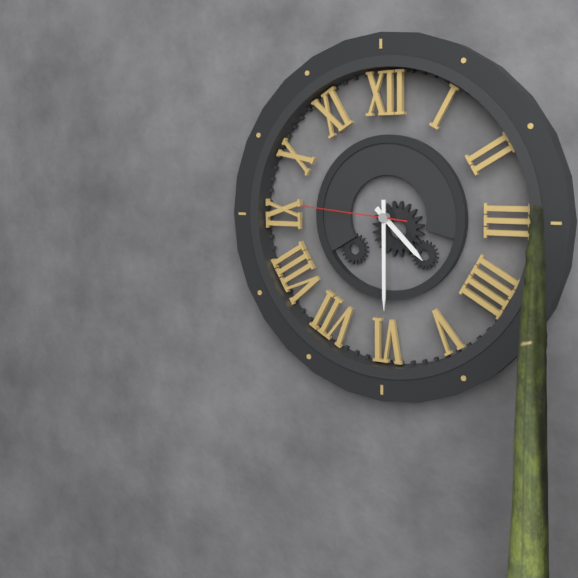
h=4 m=30 s=46
